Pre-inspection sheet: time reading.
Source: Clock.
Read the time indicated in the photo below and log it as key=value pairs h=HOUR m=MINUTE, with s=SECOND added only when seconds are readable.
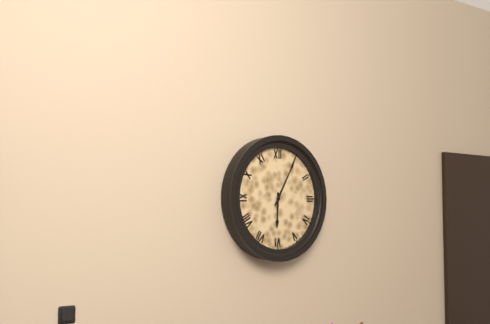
h=6 m=5
